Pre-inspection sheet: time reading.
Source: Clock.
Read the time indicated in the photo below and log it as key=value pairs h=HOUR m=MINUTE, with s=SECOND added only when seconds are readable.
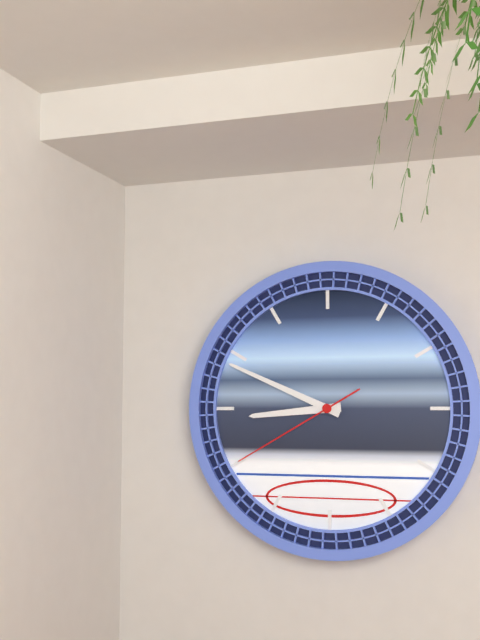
h=8 m=49 s=40
